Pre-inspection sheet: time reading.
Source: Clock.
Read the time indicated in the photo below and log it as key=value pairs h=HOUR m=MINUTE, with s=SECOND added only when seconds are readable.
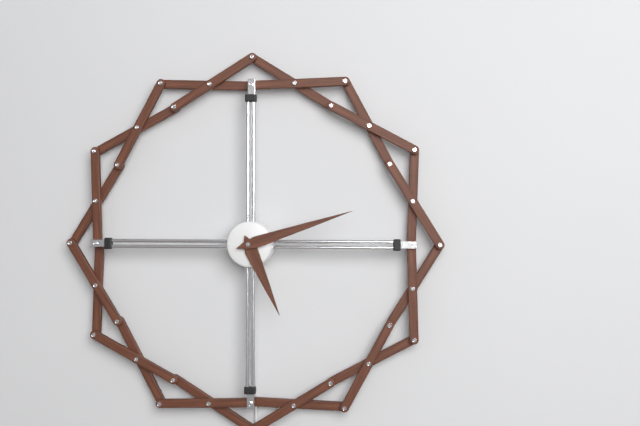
h=5 m=12
